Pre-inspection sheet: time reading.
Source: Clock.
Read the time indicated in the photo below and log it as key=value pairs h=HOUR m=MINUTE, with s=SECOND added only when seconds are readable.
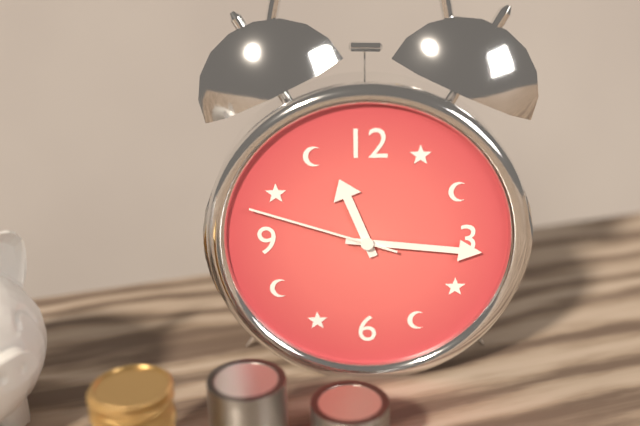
h=11 m=16 s=48
